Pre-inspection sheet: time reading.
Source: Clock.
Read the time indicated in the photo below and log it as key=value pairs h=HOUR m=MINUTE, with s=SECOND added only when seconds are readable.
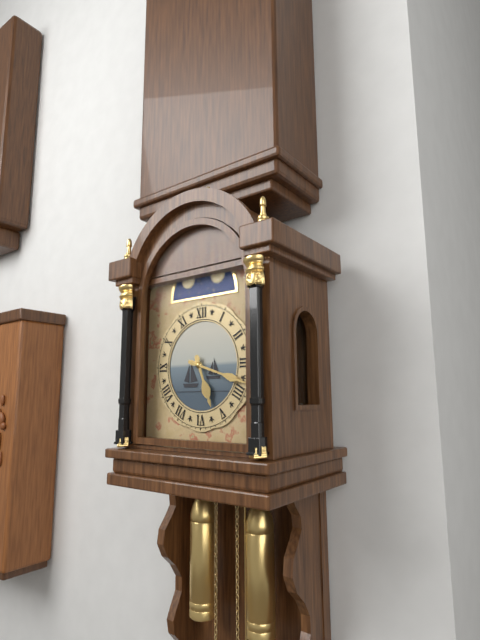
h=5 m=18
